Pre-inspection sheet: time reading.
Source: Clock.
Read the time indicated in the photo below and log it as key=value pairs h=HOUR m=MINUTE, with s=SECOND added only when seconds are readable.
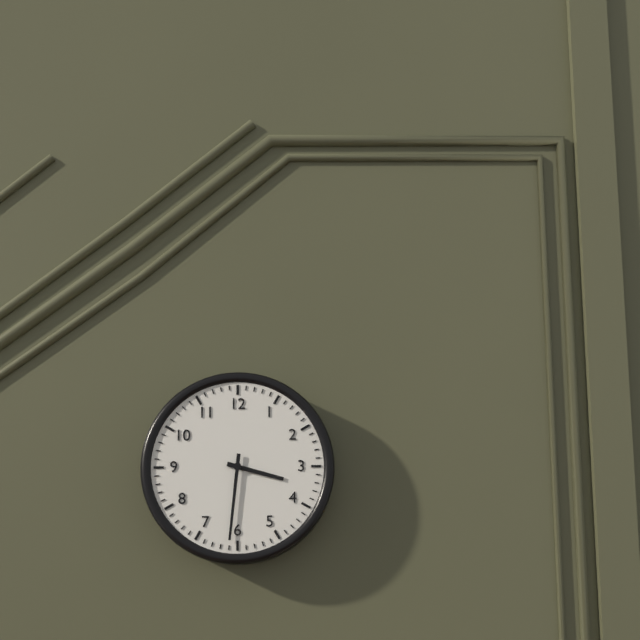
h=3 m=31
